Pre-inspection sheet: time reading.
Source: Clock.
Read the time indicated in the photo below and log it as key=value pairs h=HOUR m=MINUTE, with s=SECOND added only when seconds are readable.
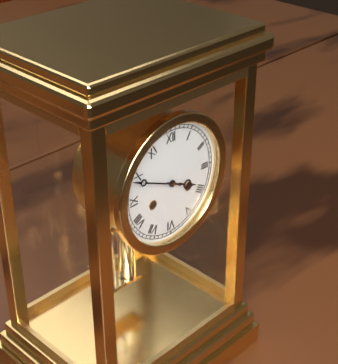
h=3 m=49
